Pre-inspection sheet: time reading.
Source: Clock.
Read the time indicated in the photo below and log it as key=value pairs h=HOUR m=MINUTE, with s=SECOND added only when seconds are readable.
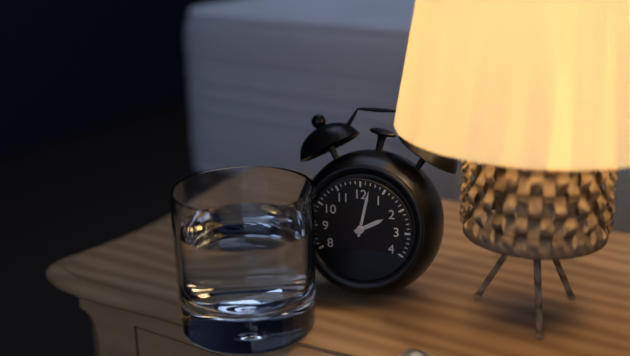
h=2 m=2
